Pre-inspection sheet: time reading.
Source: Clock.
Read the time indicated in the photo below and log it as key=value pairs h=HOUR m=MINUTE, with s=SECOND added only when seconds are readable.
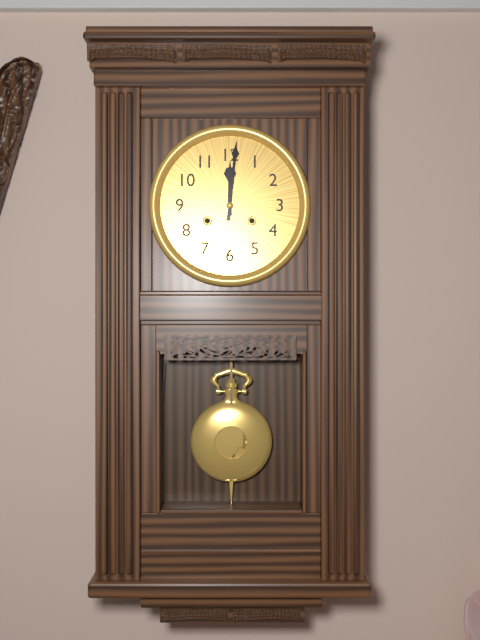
h=12 m=1
